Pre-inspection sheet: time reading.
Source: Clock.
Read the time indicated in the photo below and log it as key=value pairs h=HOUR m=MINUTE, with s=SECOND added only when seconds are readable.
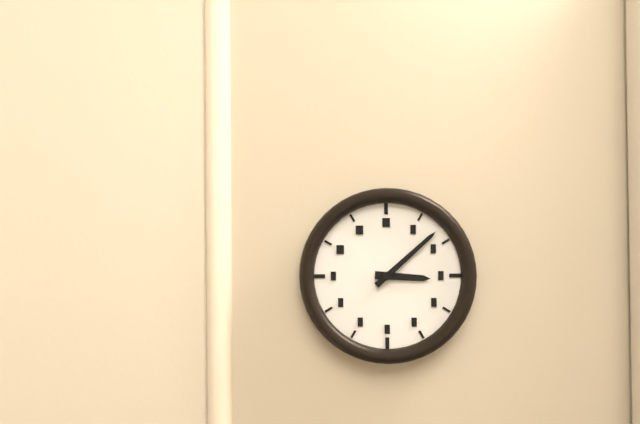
h=3 m=8
